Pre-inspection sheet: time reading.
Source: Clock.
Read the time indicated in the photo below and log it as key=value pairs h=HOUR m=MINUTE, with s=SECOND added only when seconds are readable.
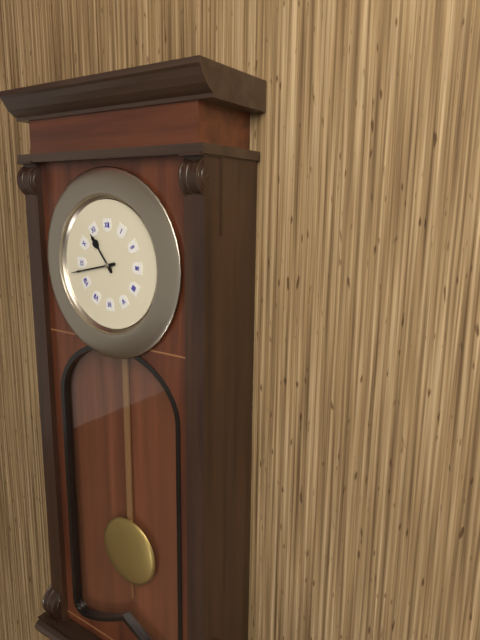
h=10 m=43
